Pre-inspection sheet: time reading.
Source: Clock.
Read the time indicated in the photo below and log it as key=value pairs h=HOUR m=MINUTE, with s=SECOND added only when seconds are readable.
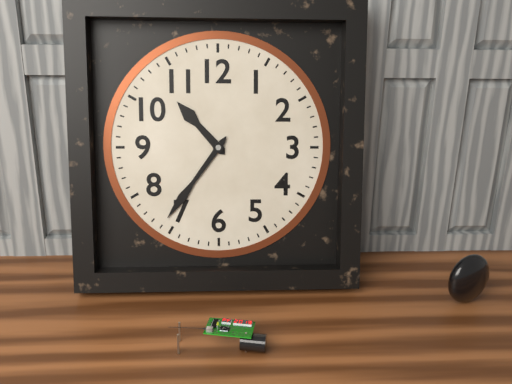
h=10 m=36
